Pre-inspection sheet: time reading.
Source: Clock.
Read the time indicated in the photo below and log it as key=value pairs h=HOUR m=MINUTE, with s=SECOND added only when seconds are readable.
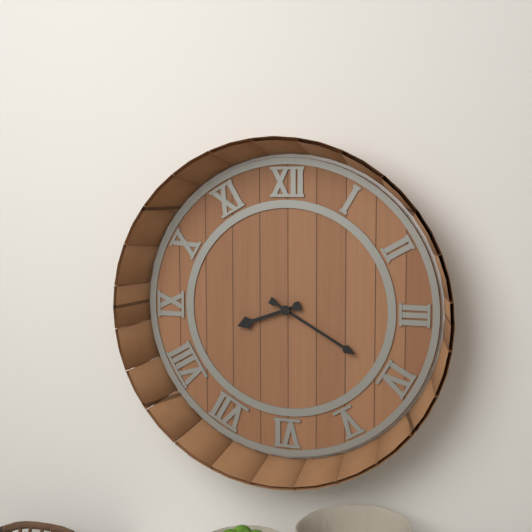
h=8 m=20
